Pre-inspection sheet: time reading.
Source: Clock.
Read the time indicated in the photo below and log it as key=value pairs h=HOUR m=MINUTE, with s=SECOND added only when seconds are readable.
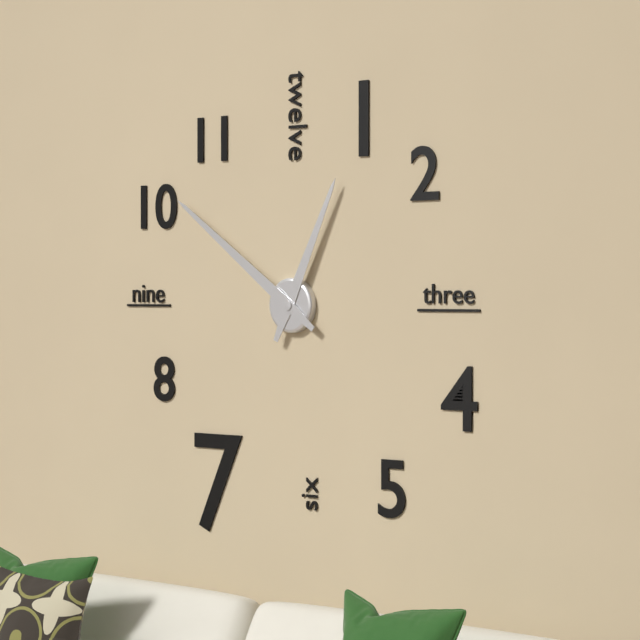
h=12 m=51
